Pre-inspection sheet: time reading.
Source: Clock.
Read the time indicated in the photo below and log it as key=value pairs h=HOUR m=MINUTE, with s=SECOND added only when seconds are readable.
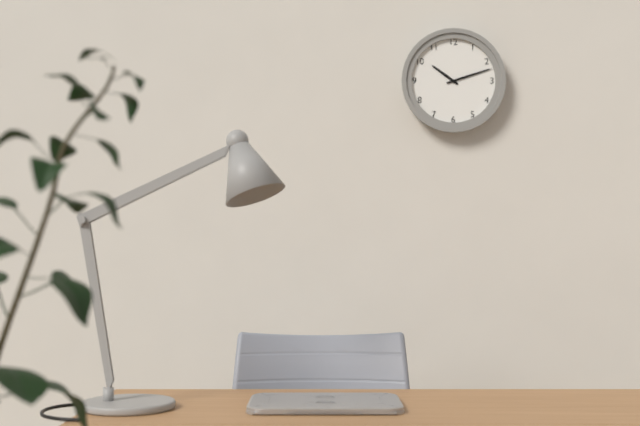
h=10 m=12
